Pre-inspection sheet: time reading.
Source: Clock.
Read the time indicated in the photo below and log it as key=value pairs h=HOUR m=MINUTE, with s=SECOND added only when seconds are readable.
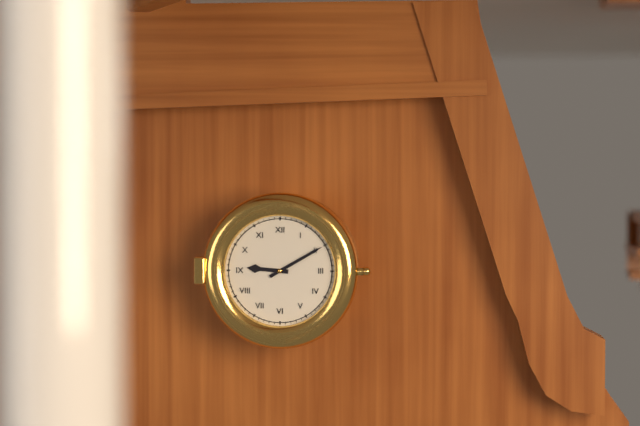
h=9 m=10
